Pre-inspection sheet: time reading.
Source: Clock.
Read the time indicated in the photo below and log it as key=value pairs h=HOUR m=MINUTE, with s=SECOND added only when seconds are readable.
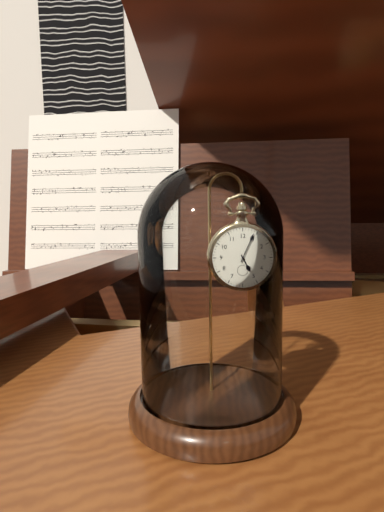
h=5 m=4
